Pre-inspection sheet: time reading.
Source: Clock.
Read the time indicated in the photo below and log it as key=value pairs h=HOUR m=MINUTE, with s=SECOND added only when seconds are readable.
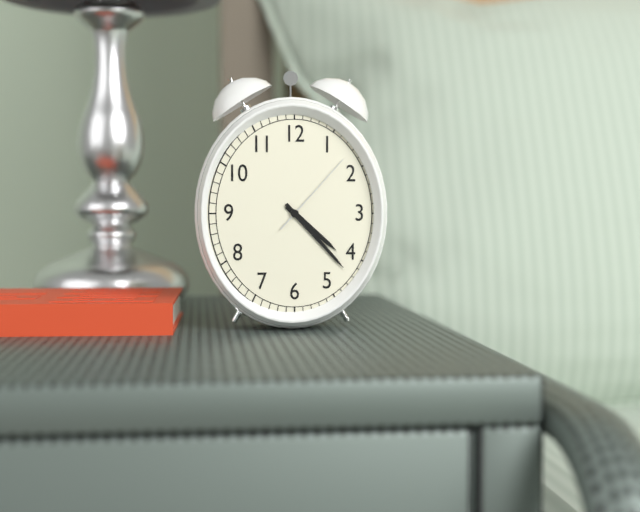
h=4 m=23 s=7
